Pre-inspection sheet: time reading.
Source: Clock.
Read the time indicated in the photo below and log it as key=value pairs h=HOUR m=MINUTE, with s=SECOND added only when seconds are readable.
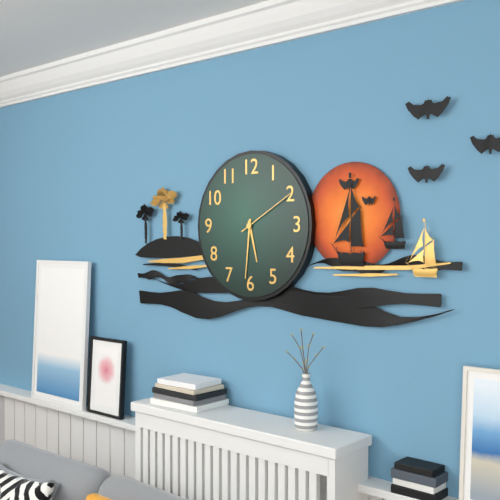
h=5 m=31 s=10
